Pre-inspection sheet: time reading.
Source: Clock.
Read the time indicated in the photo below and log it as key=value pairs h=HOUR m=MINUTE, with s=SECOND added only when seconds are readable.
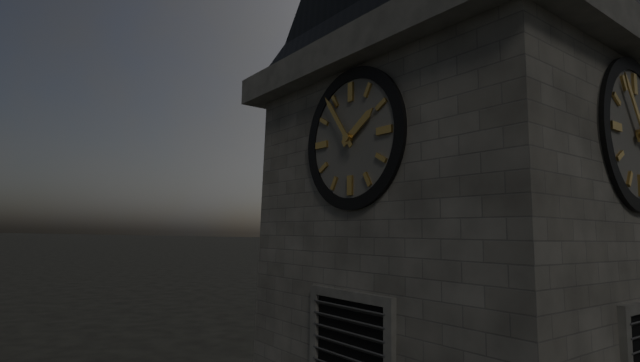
h=1 m=54
